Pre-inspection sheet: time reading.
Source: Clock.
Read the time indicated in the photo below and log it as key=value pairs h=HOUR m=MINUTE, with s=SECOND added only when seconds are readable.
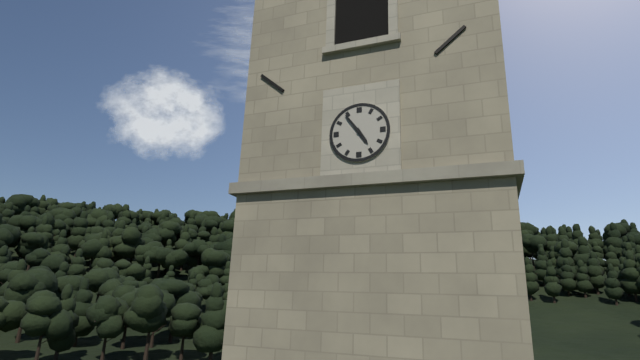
h=4 m=54
